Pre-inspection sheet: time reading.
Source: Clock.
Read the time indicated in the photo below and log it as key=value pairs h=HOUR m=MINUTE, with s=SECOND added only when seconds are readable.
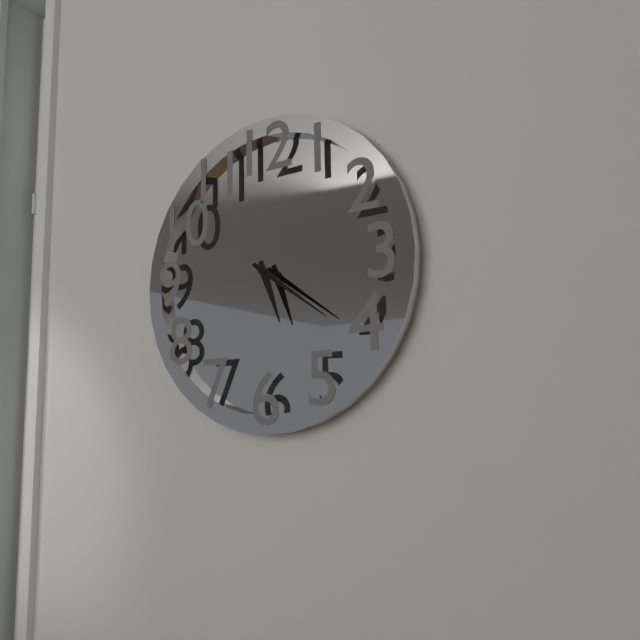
h=5 m=21
